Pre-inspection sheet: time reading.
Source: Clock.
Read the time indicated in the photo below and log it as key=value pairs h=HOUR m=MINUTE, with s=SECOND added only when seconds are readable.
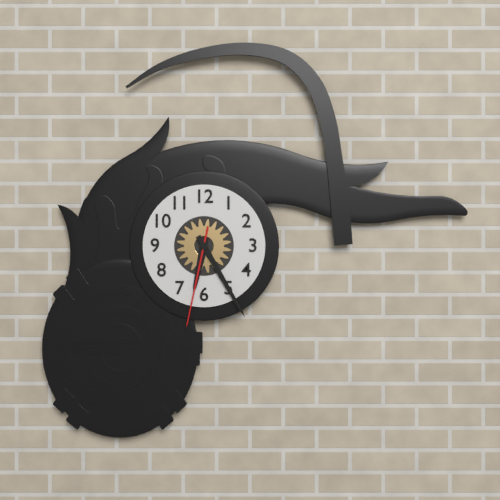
h=6 m=25 s=32
